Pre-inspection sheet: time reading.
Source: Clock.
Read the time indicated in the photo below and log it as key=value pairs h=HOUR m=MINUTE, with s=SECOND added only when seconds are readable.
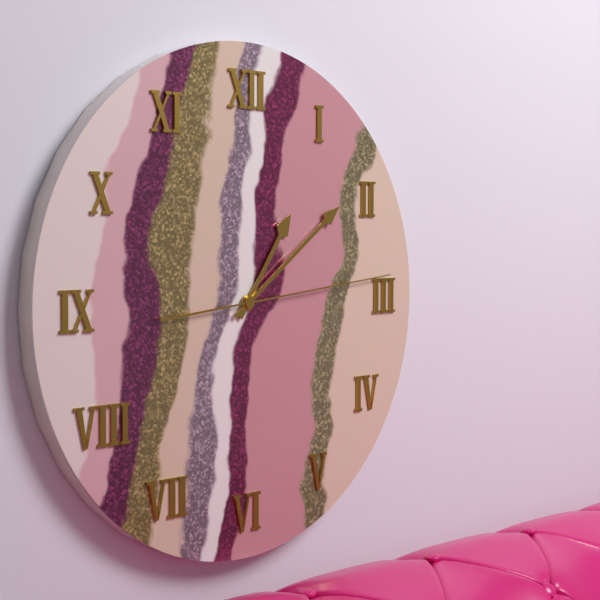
h=1 m=9 s=14
